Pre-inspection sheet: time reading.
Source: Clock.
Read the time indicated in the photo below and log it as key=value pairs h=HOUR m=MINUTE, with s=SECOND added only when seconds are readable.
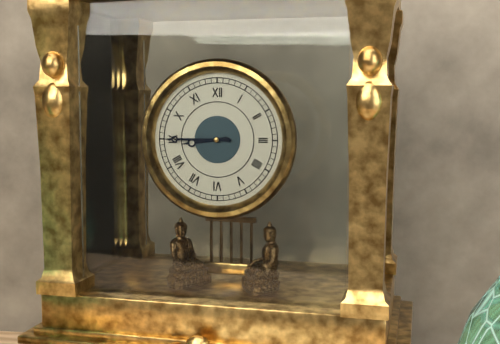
h=8 m=45
